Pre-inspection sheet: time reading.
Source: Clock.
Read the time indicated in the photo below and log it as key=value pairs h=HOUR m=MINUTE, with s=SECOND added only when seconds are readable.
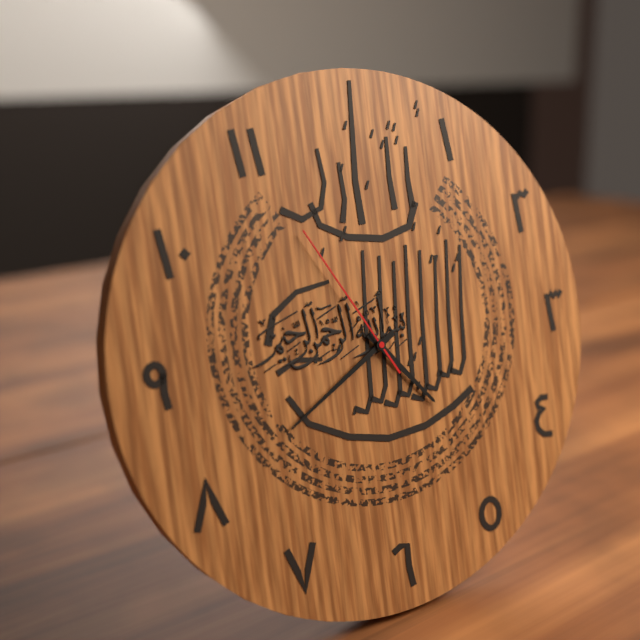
h=4 m=40 s=55
